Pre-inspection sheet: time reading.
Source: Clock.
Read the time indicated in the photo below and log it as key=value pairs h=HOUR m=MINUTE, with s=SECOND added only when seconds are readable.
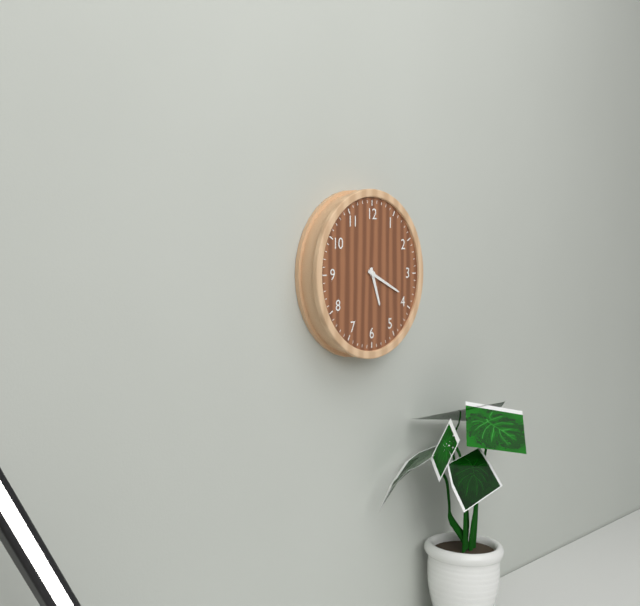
h=5 m=19
